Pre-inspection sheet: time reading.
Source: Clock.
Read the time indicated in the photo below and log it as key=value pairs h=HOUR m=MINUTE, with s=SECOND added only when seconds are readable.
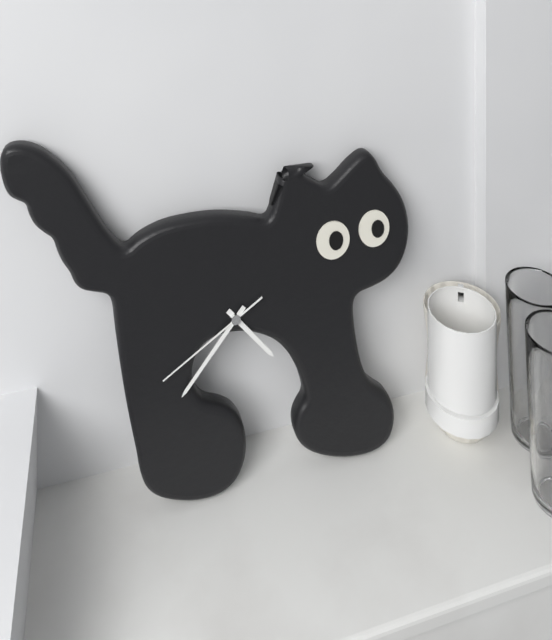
h=4 m=37 s=40
